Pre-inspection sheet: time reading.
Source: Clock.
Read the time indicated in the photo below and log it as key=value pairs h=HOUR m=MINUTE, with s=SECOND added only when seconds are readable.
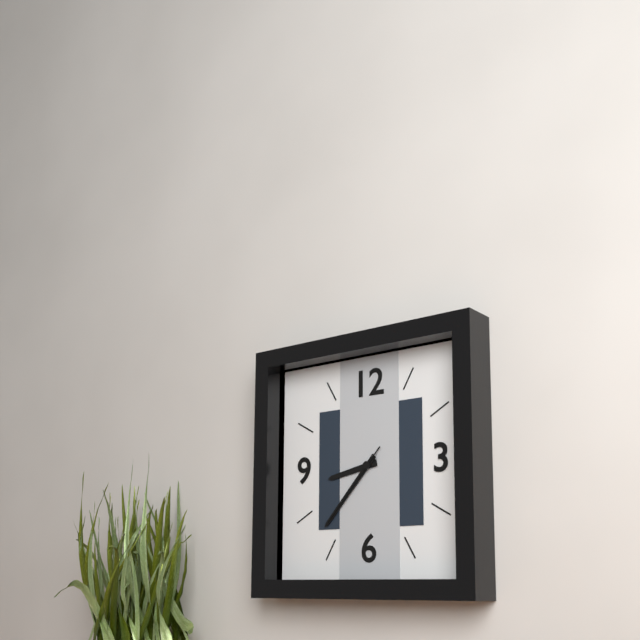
h=8 m=37 s=37
